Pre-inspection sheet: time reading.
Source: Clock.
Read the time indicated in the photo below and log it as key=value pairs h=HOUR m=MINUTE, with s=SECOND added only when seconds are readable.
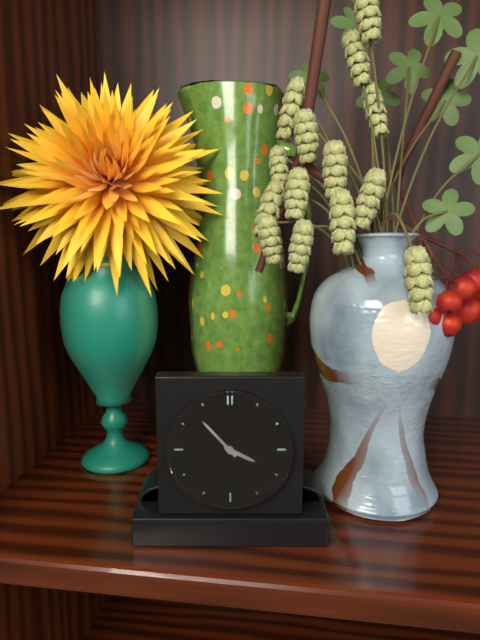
h=3 m=53
